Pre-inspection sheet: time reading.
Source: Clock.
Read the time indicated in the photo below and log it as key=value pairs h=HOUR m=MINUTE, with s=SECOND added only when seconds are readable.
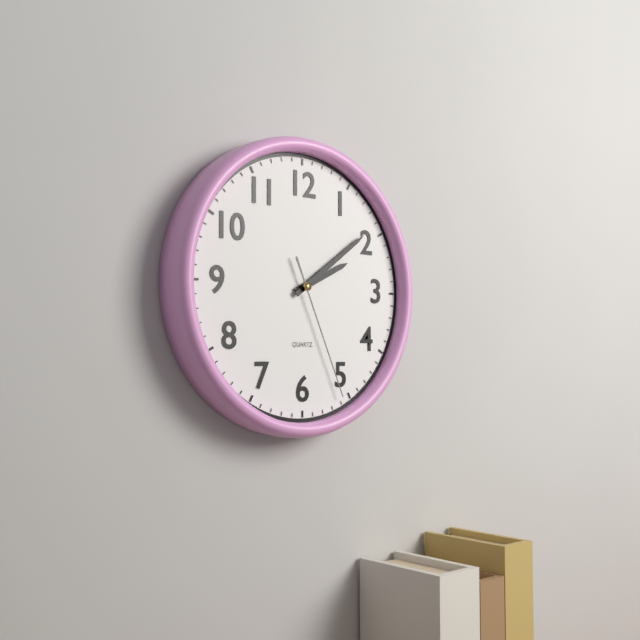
h=2 m=9 s=26
